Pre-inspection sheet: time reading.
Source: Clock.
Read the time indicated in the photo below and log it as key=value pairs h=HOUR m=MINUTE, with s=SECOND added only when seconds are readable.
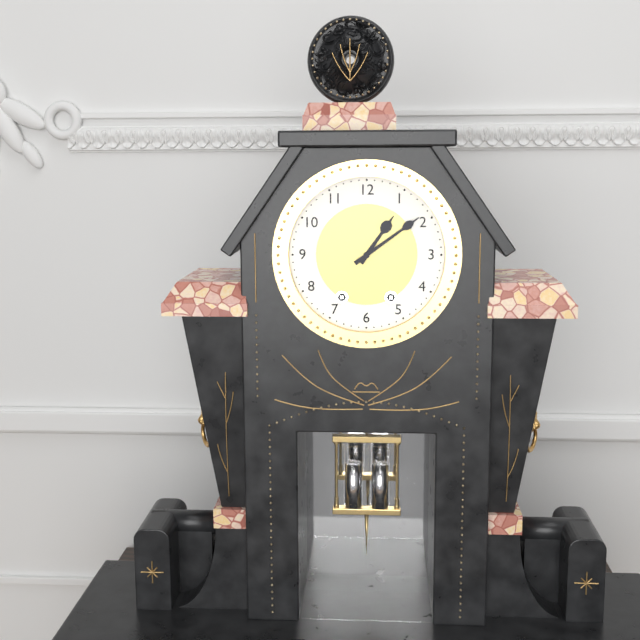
h=1 m=9
